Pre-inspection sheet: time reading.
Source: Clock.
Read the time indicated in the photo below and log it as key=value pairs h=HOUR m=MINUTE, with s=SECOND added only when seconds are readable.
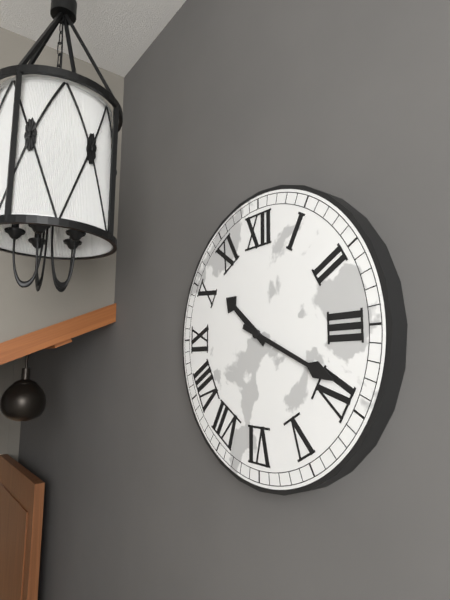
h=10 m=19
